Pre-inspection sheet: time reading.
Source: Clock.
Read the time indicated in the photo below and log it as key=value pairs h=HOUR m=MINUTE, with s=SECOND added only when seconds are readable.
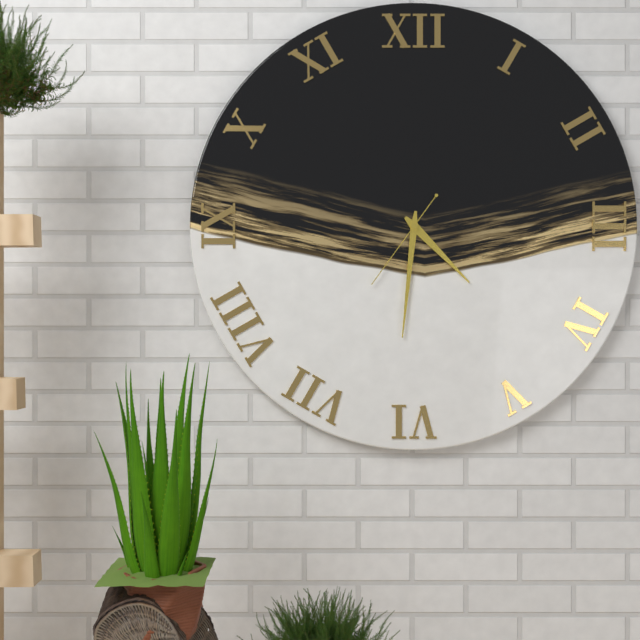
h=4 m=31 s=36
